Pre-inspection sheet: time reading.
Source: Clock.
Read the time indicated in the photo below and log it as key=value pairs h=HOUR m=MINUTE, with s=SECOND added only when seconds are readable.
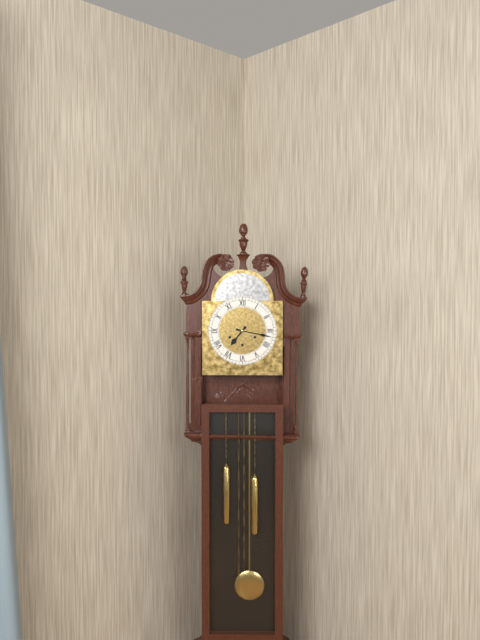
h=7 m=17
